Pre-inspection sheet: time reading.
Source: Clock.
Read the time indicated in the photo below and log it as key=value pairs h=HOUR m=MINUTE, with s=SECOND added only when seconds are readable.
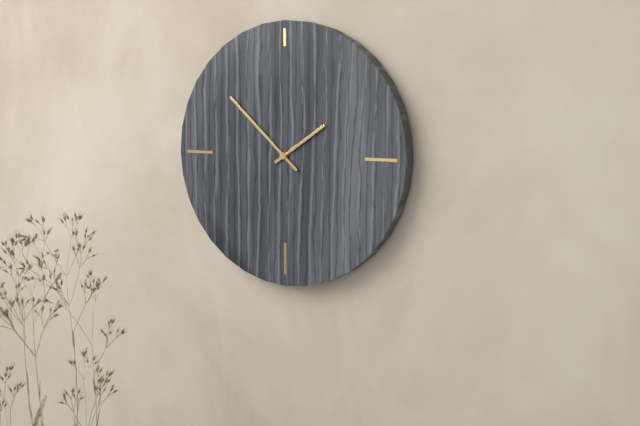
h=1 m=52
